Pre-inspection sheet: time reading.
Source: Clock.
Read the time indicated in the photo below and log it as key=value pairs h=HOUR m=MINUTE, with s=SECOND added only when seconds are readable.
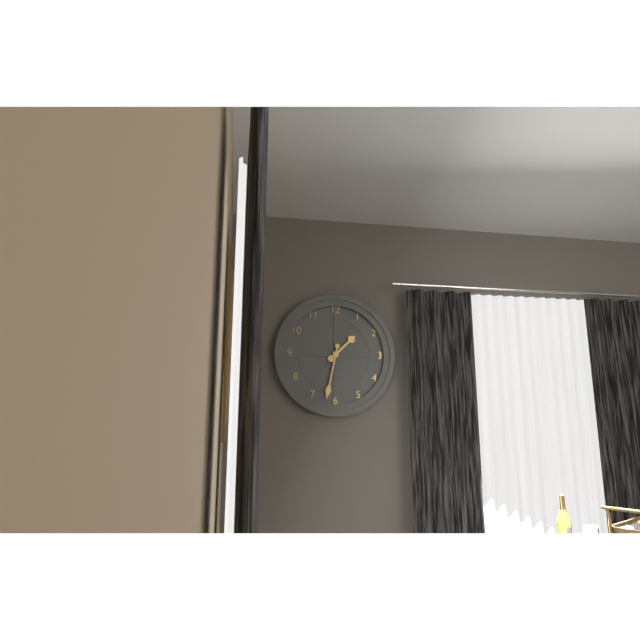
h=1 m=32
